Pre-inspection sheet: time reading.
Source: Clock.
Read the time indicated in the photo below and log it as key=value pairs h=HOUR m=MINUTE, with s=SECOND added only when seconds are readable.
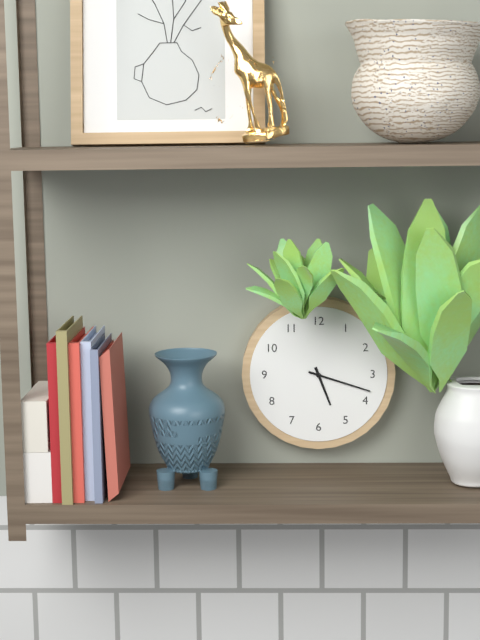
h=5 m=18
